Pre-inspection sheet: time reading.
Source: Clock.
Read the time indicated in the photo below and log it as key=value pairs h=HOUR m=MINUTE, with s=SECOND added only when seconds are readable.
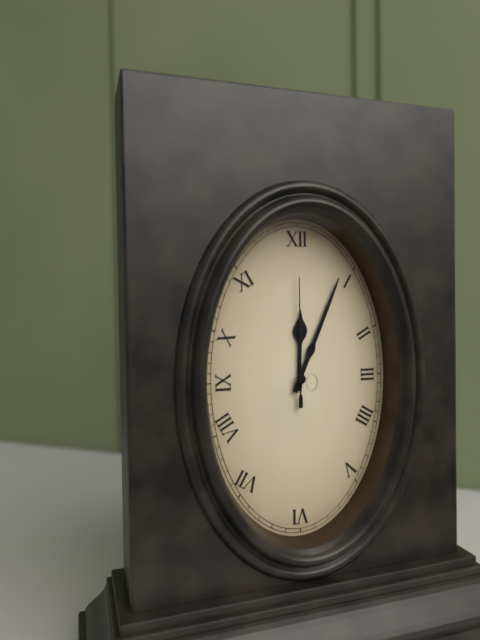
h=12 m=4 s=0
